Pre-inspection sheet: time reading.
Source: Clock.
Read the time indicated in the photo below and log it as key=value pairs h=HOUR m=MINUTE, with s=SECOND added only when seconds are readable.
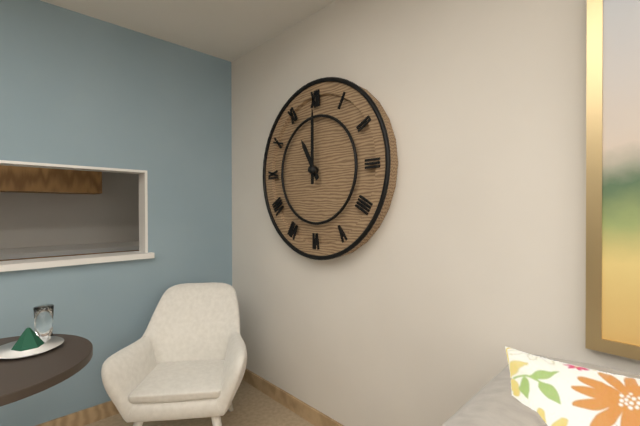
h=11 m=0
